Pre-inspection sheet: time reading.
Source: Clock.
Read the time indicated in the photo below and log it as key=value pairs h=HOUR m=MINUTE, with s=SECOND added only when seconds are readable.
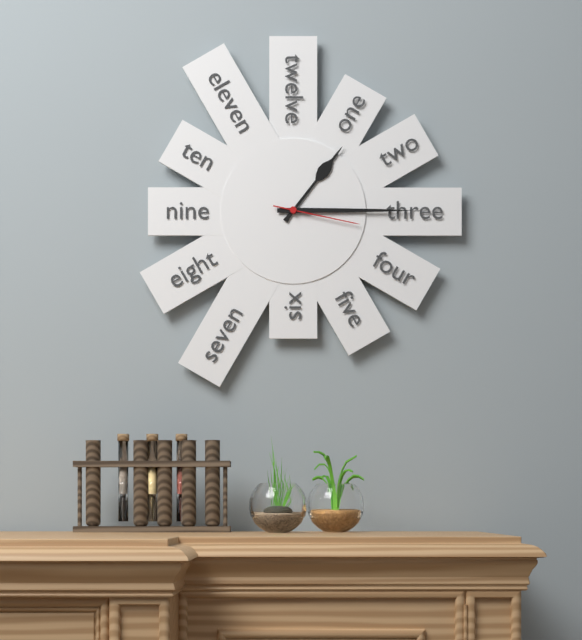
h=1 m=15 s=17
